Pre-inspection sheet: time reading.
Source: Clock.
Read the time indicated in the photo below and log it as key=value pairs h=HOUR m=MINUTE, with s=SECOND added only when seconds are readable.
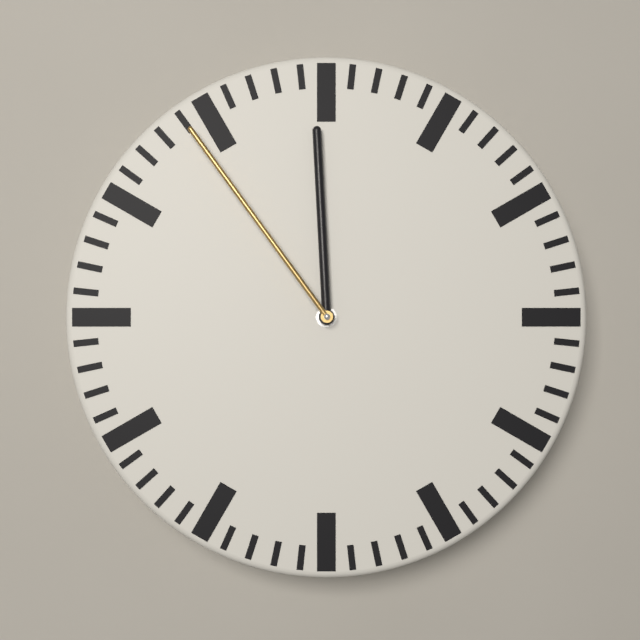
h=11 m=54
